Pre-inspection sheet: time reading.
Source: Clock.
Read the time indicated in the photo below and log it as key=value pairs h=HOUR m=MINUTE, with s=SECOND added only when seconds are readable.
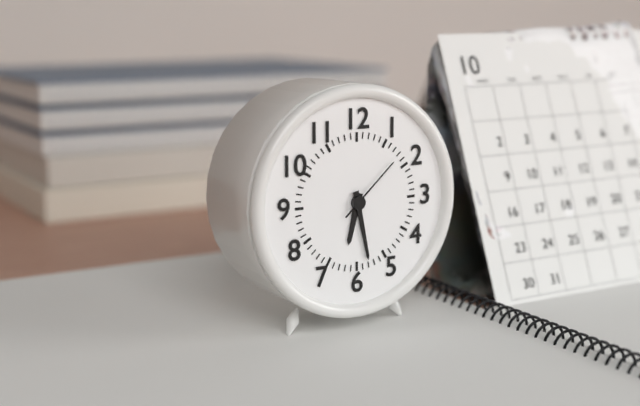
h=6 m=28 s=8
